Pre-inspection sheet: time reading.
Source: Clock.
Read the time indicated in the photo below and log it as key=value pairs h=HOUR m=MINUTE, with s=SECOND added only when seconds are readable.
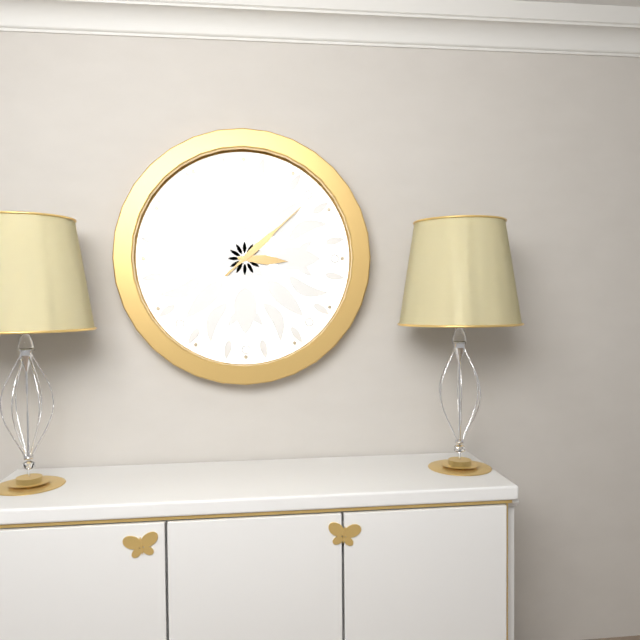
h=3 m=8
